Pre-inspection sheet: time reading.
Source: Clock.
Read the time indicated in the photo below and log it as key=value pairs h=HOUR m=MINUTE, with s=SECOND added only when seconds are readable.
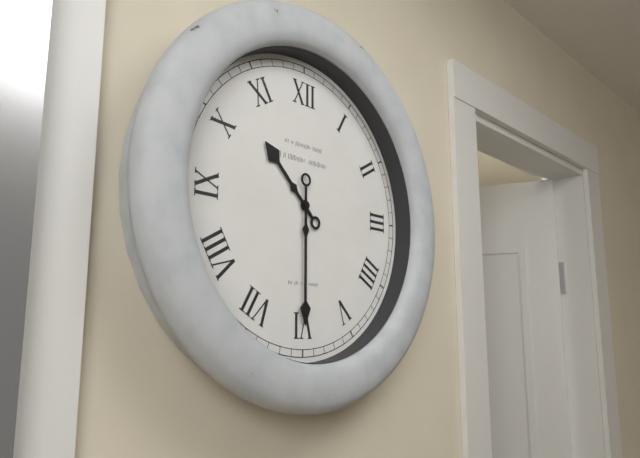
h=10 m=30
